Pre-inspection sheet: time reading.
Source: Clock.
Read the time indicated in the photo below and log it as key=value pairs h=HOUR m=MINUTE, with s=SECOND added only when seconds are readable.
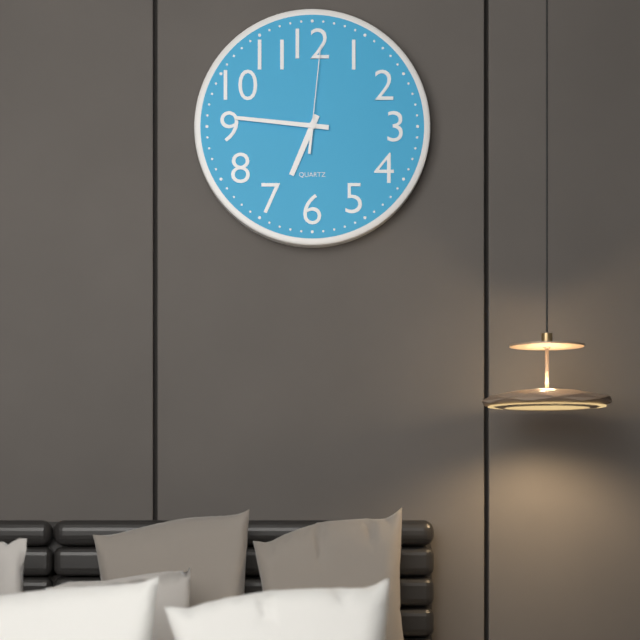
h=6 m=46 s=1
